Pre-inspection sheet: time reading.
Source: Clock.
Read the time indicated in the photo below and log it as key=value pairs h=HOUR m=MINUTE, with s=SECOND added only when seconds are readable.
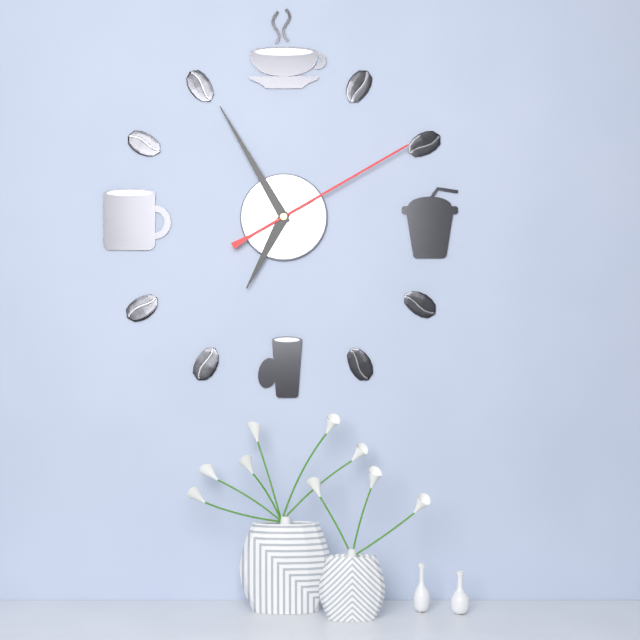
h=6 m=55 s=10
